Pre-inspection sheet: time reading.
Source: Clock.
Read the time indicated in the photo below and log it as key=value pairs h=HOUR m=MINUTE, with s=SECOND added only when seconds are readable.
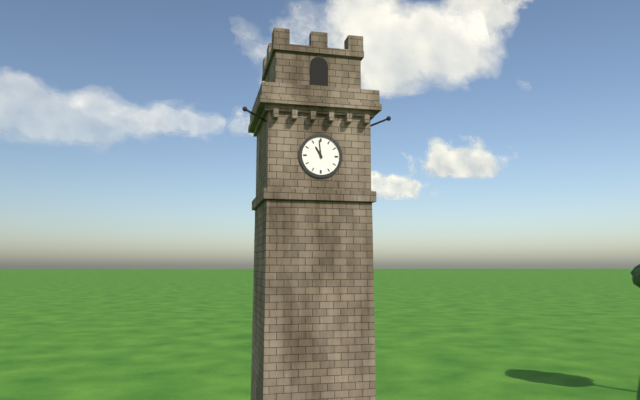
h=10 m=59
